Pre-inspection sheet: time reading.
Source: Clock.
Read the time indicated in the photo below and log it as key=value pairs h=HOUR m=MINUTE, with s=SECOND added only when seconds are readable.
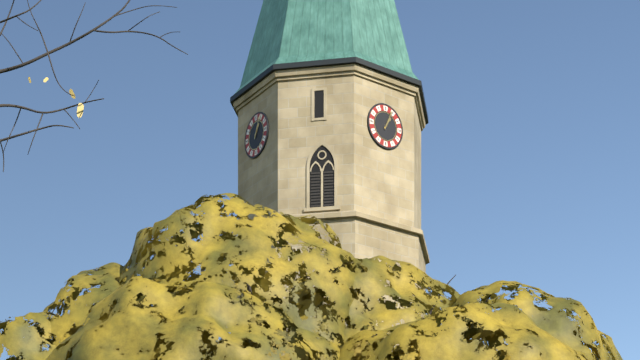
h=1 m=4
